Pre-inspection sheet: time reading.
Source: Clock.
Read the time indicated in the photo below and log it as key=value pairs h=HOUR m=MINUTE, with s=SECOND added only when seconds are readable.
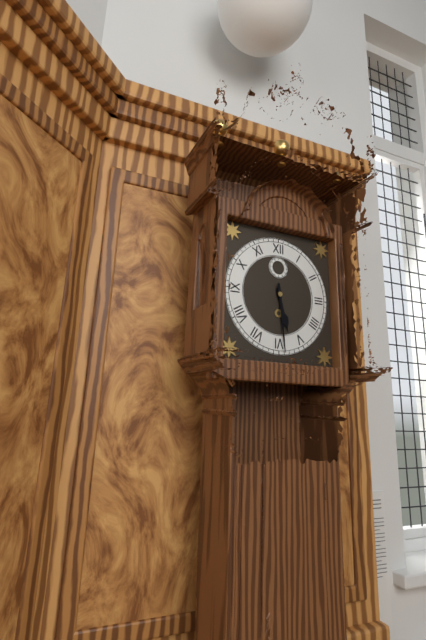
h=5 m=29
